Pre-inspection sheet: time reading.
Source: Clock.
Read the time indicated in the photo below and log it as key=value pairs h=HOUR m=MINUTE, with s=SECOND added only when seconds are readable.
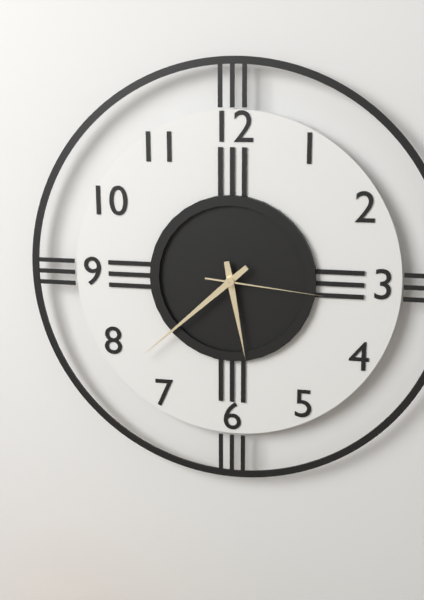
h=5 m=38 s=16
